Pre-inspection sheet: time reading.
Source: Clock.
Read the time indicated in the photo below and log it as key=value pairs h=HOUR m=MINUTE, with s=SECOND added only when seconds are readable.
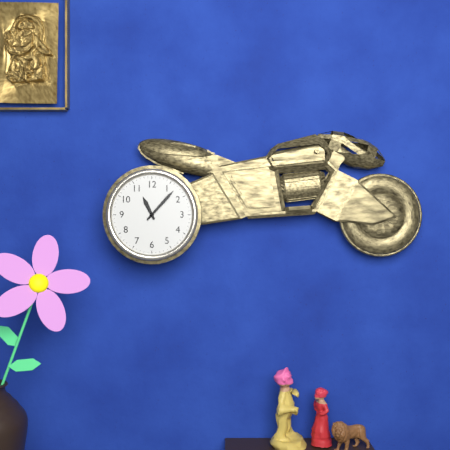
h=11 m=7
